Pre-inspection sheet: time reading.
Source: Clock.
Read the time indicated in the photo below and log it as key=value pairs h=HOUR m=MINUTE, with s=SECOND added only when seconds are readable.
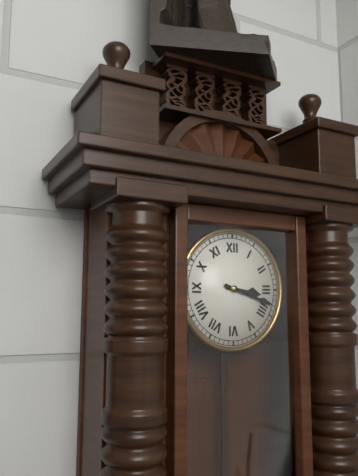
h=3 m=18
